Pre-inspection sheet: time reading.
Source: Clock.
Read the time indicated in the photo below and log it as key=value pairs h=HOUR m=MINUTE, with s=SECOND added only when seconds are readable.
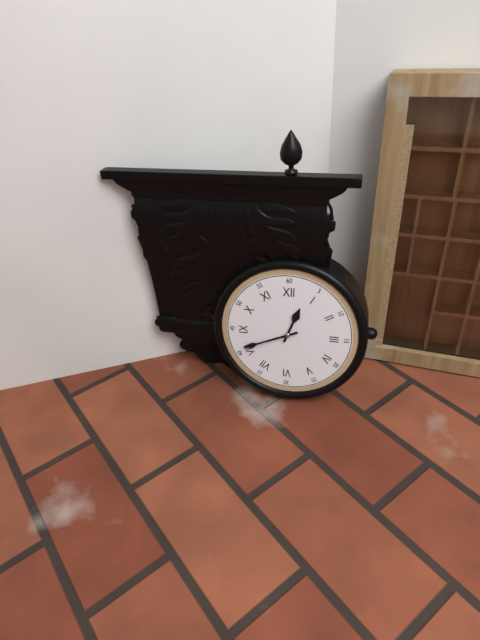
h=12 m=41
